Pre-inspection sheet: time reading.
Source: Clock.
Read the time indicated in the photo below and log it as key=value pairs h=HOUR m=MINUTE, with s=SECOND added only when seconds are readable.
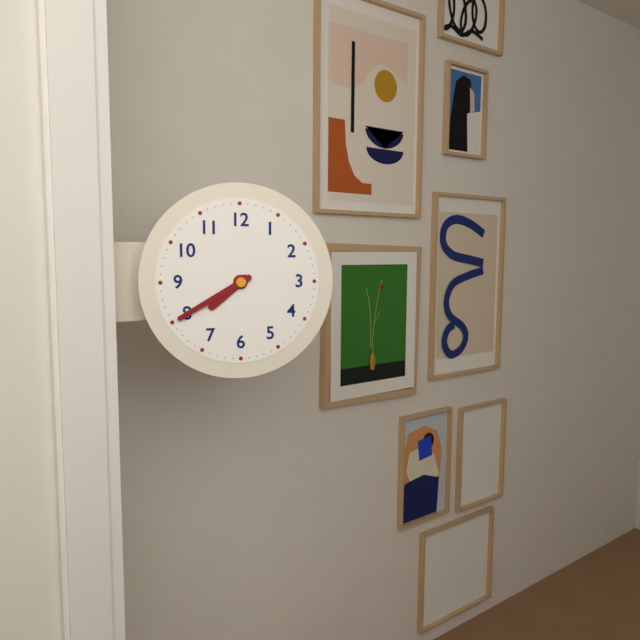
h=7 m=40
